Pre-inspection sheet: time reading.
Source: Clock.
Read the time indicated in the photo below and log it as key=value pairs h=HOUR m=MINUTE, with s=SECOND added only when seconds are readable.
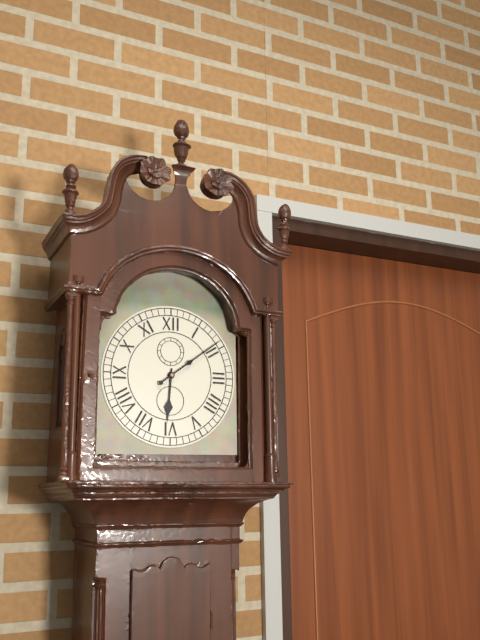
h=6 m=9
